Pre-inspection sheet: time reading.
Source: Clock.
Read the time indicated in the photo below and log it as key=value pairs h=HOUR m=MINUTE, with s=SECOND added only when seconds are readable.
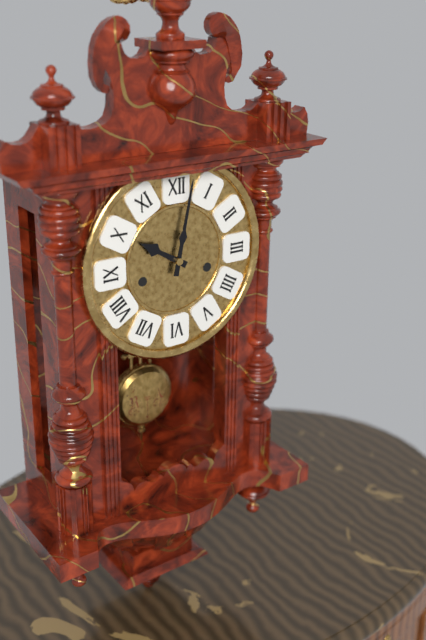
h=10 m=2
